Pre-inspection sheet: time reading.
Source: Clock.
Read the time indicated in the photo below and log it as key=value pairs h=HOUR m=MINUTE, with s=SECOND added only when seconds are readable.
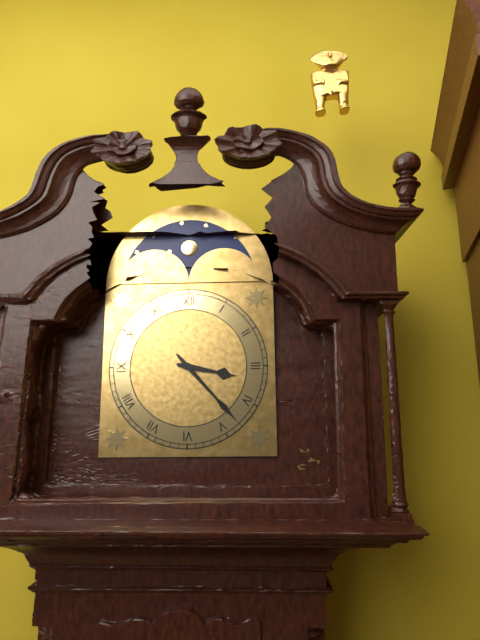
h=3 m=23
